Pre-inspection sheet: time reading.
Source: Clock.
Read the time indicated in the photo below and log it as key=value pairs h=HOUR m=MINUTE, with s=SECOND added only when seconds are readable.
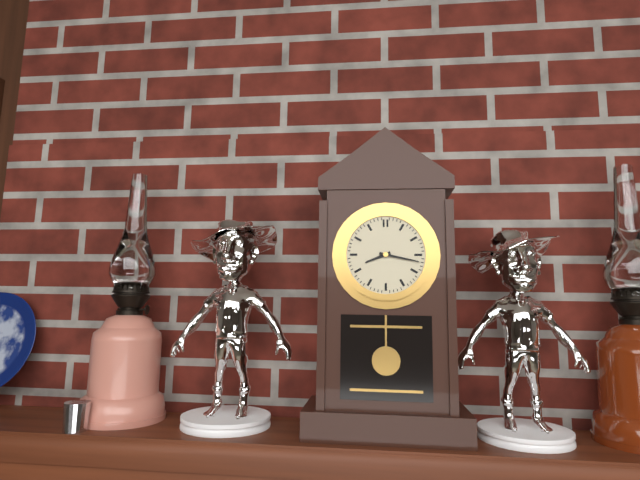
h=8 m=17
